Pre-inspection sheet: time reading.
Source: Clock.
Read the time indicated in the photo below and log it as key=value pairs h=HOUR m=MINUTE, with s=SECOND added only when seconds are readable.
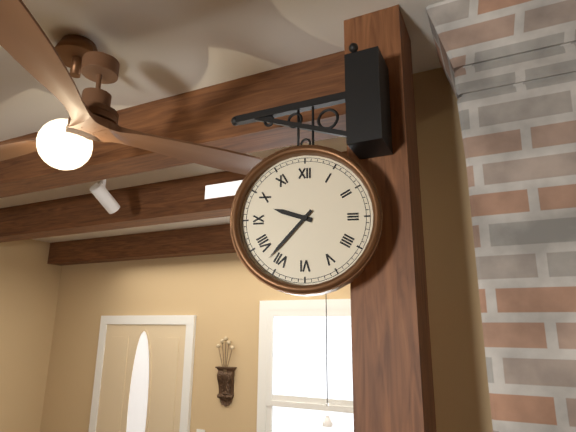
h=9 m=37
